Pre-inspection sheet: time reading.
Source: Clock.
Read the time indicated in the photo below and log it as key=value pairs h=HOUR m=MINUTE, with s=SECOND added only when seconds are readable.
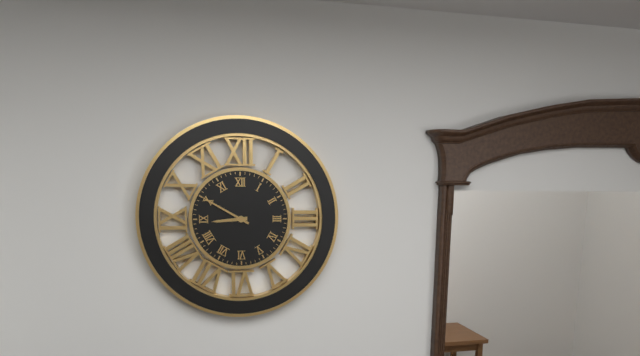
h=8 m=50
